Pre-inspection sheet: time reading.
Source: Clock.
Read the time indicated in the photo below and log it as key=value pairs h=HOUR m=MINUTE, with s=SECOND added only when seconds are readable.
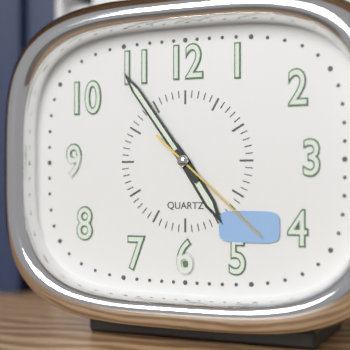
h=4 m=54 s=22
